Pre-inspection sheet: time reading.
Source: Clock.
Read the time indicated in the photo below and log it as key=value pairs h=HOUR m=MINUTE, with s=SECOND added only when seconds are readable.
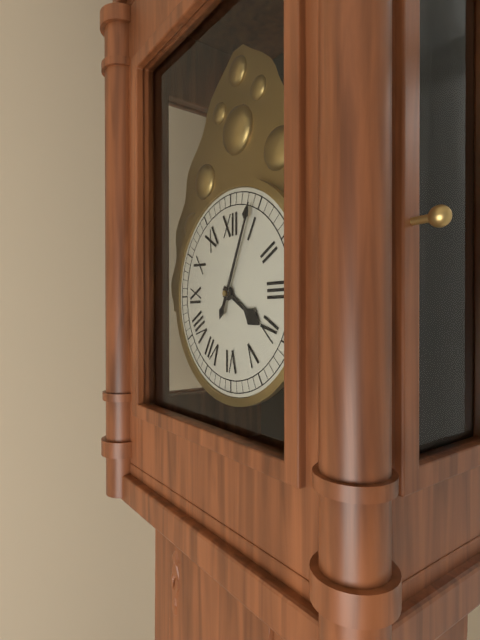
h=4 m=4
